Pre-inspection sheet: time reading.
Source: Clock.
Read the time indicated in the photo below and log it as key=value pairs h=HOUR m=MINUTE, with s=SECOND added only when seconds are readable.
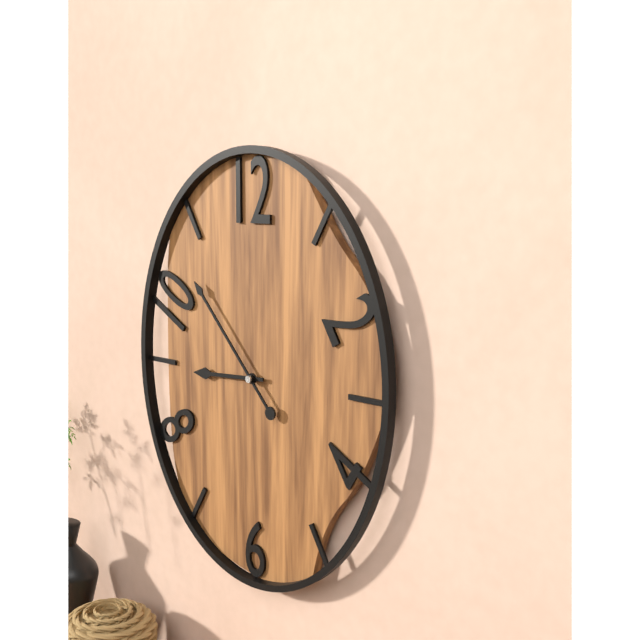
h=8 m=53
